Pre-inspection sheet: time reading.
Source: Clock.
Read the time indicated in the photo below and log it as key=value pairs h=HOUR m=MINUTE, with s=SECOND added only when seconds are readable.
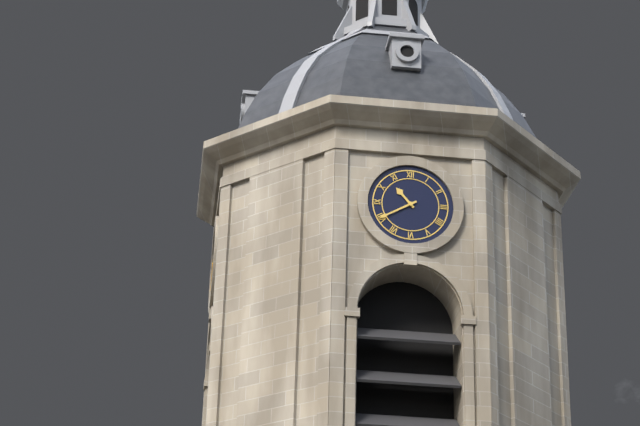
h=10 m=40
